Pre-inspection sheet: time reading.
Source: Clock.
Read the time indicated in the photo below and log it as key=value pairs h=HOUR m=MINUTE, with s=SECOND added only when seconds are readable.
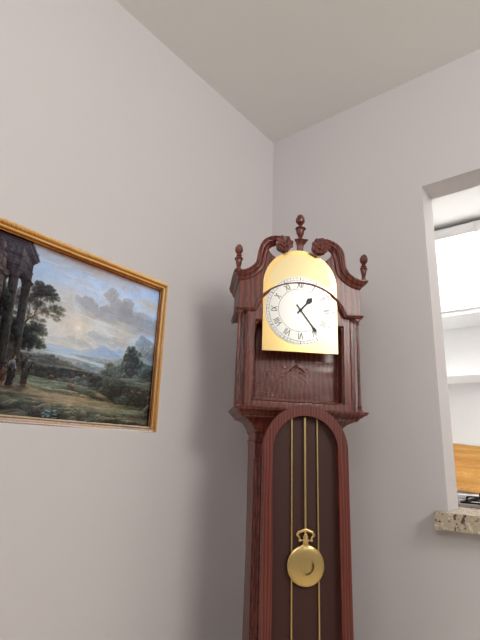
h=1 m=24
